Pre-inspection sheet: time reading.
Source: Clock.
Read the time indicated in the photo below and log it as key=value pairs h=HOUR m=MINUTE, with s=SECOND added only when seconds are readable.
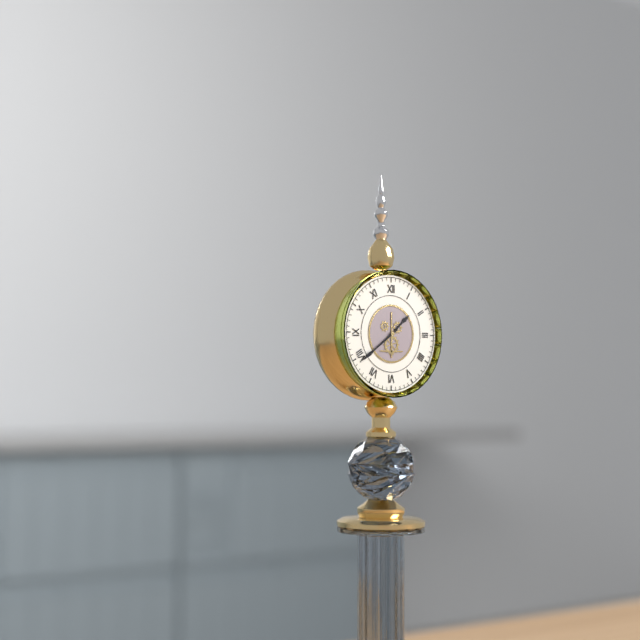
h=1 m=39
